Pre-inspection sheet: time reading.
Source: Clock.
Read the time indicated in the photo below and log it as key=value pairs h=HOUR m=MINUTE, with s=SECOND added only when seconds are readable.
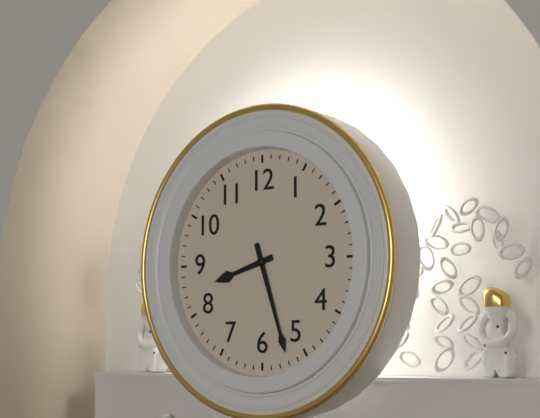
h=8 m=27
